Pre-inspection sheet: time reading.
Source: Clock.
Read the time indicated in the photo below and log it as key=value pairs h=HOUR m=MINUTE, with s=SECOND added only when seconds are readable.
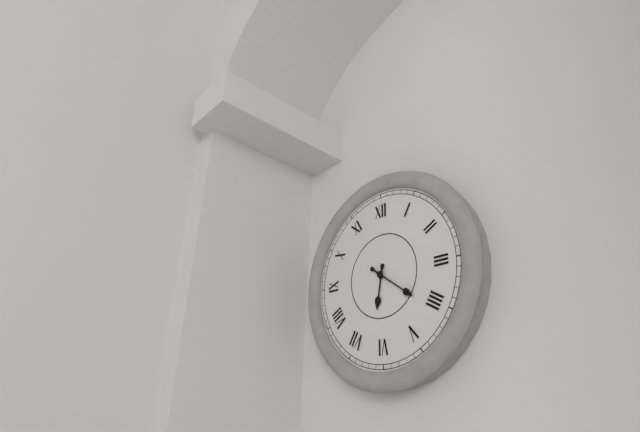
h=6 m=21
